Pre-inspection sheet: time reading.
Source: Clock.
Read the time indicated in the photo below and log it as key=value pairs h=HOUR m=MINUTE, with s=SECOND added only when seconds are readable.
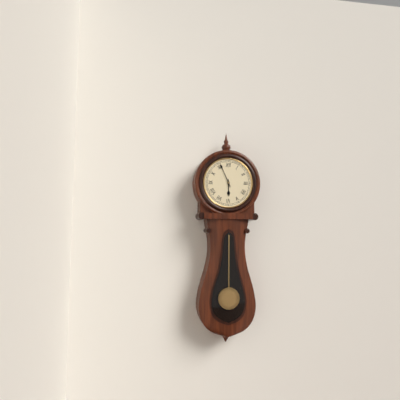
h=5 m=56
